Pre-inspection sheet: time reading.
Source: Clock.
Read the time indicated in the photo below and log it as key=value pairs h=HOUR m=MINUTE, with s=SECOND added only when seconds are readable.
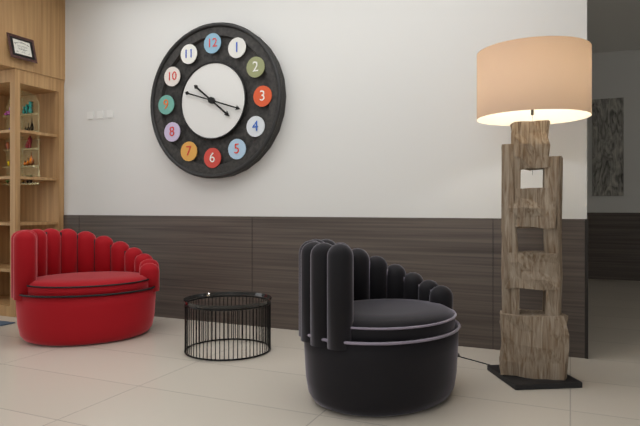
h=4 m=18
